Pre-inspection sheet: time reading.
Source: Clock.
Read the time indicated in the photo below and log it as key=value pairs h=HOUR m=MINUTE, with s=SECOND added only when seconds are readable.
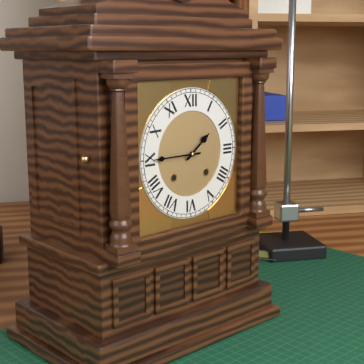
h=1 m=45
